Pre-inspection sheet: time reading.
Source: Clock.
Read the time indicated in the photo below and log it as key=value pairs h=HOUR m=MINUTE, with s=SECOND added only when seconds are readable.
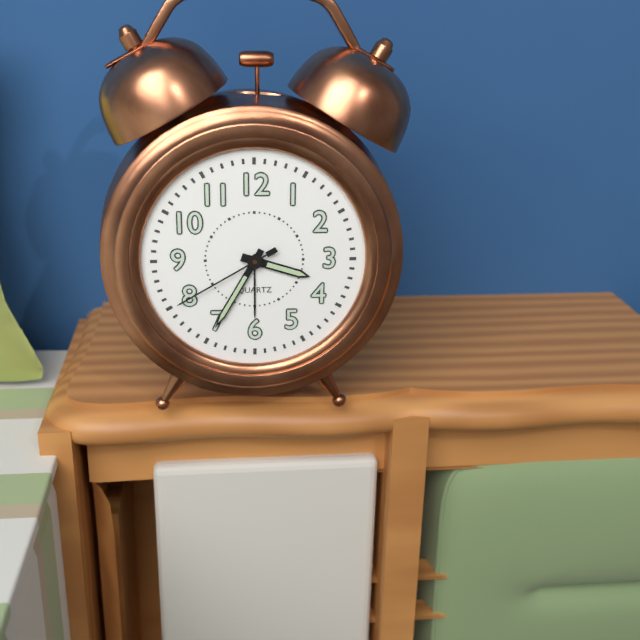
h=3 m=35 s=40
